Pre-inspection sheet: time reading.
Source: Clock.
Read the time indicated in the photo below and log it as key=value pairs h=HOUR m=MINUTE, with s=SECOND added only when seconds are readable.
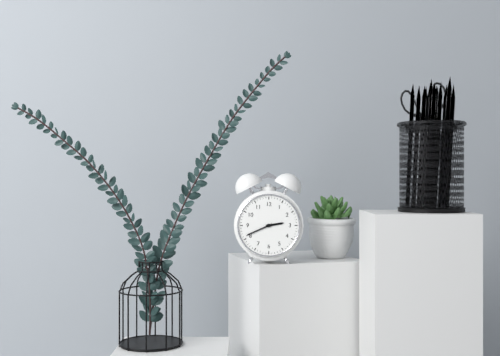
h=2 m=41
